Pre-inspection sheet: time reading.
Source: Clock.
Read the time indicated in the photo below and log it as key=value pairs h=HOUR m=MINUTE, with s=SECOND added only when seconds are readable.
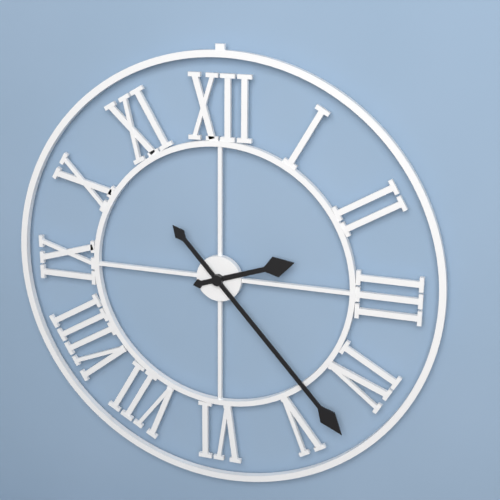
h=2 m=23
